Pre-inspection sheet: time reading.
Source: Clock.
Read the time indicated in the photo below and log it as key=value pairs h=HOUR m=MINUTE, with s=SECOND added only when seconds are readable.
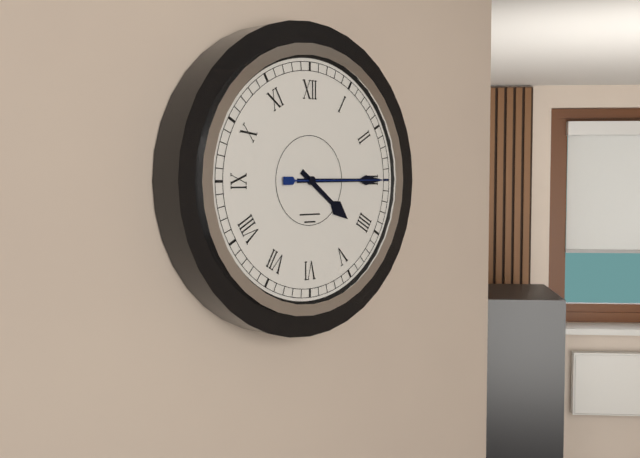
h=4 m=15 s=15
